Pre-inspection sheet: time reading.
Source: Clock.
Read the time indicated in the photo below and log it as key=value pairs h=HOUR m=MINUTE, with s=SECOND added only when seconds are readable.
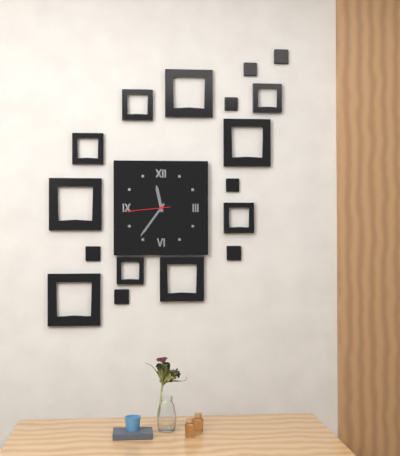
h=11 m=36
